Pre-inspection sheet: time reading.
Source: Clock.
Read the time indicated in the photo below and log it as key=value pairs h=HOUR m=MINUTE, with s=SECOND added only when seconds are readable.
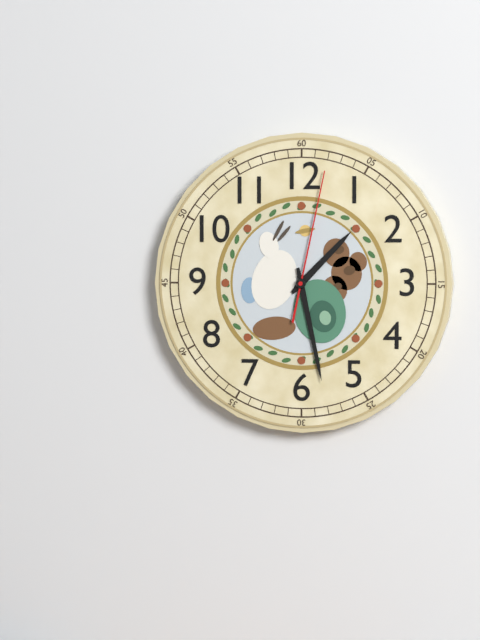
h=1 m=28 s=2
